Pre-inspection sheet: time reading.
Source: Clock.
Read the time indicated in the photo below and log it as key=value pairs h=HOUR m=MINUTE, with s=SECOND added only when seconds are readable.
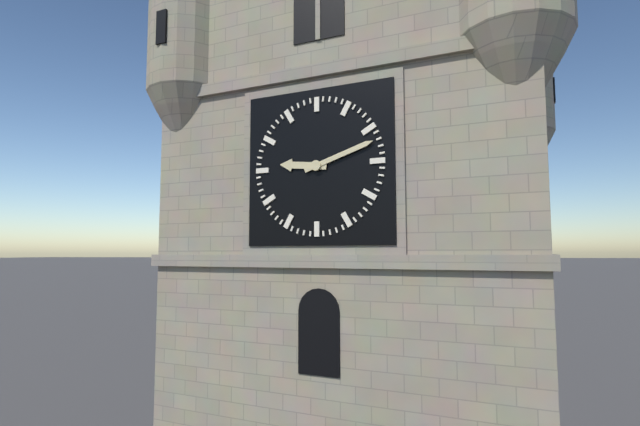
h=9 m=12
